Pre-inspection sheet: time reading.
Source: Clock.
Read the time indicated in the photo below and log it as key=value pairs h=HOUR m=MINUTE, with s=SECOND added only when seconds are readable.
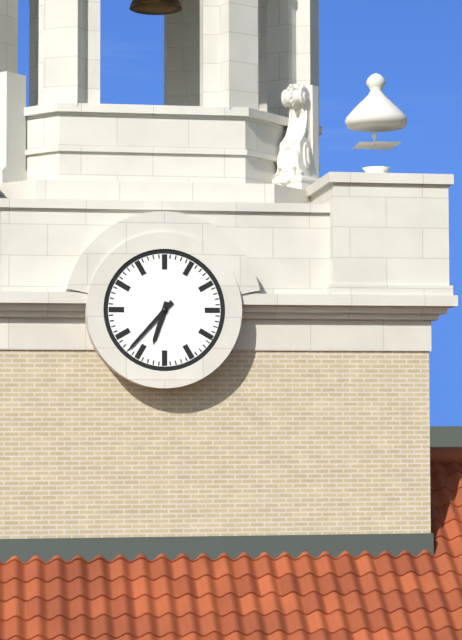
h=6 m=37
